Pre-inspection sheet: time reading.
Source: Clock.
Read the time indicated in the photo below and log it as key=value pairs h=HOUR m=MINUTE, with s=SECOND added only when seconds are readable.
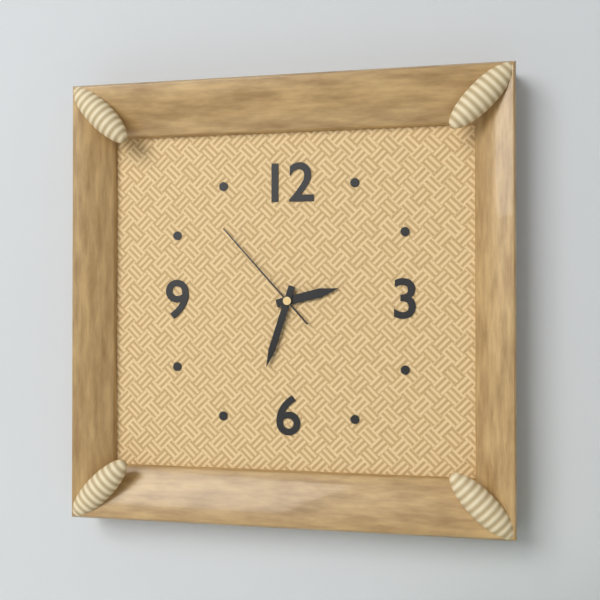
h=2 m=33 s=53
